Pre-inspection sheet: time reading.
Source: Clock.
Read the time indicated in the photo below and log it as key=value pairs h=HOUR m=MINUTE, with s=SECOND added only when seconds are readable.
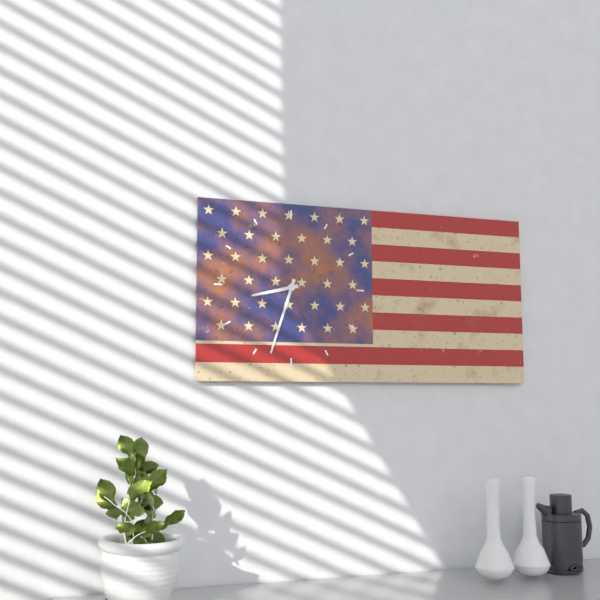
h=8 m=33
